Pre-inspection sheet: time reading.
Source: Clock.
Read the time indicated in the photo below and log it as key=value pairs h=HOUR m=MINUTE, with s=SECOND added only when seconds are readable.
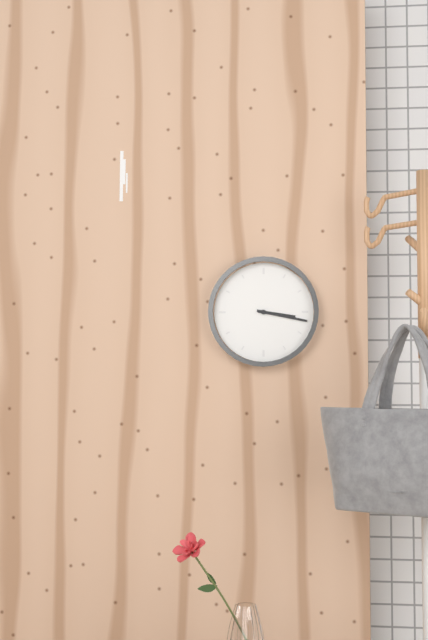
h=3 m=17
